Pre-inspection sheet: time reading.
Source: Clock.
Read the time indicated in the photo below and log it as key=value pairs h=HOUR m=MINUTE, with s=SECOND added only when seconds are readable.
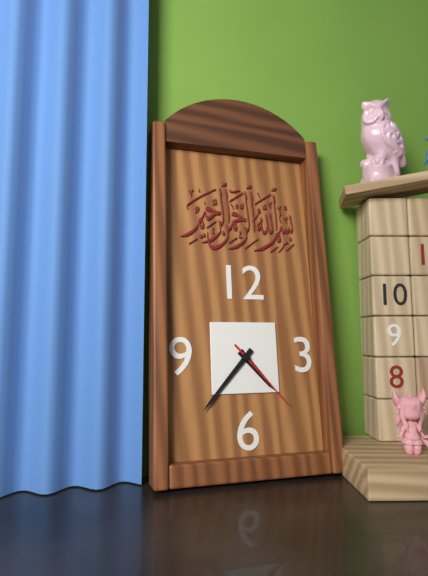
h=4 m=37 s=23
